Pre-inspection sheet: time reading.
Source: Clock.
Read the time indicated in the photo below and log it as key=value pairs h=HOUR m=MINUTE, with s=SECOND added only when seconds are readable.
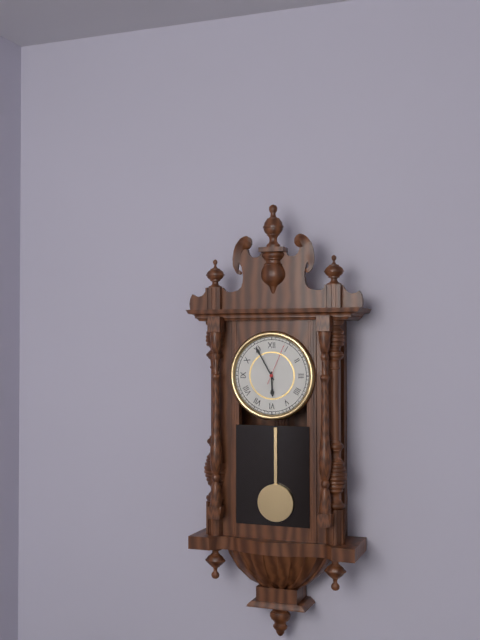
h=5 m=55
